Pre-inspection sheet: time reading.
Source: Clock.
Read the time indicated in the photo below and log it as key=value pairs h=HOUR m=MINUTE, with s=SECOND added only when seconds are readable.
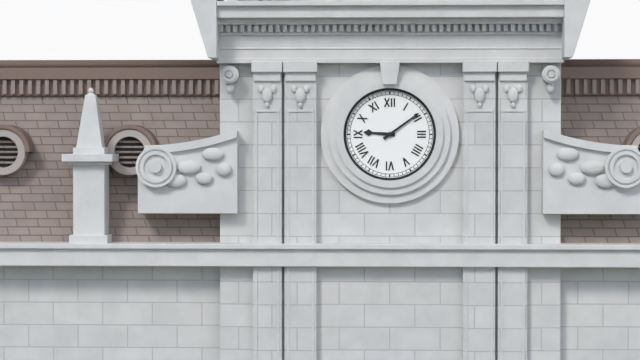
h=9 m=9
